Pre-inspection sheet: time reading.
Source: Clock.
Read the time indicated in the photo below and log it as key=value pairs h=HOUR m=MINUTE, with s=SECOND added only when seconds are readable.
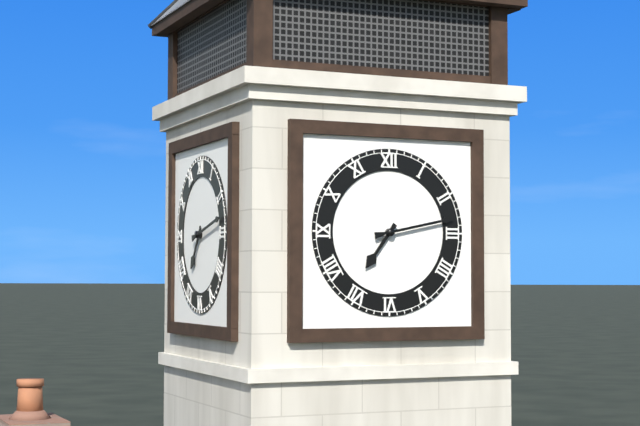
h=7 m=13
